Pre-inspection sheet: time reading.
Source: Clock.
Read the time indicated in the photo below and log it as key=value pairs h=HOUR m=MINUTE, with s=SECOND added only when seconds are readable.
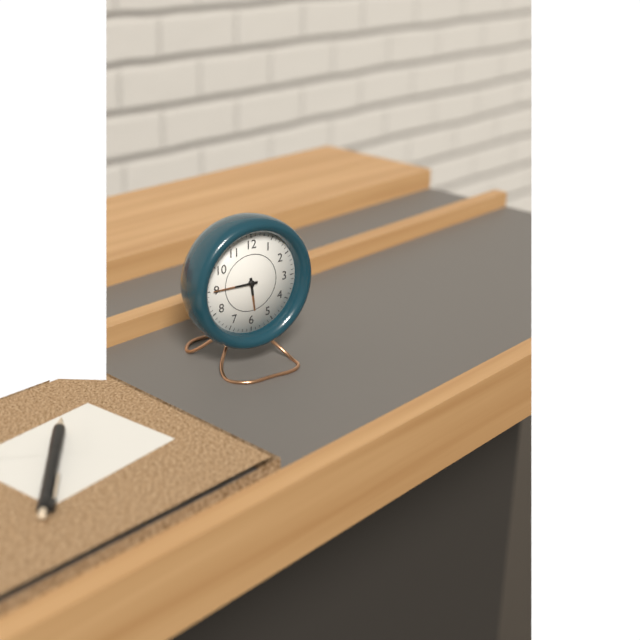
h=5 m=45
